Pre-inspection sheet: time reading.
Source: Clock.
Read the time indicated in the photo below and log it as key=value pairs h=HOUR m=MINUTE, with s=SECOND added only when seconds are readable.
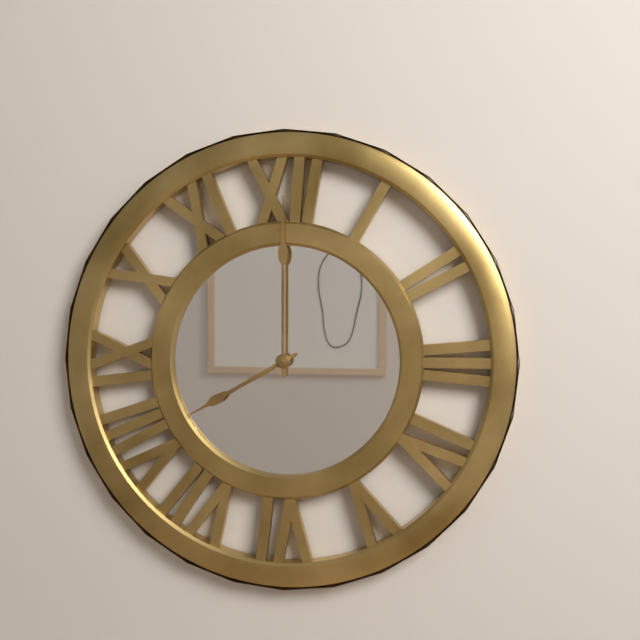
h=8 m=0
